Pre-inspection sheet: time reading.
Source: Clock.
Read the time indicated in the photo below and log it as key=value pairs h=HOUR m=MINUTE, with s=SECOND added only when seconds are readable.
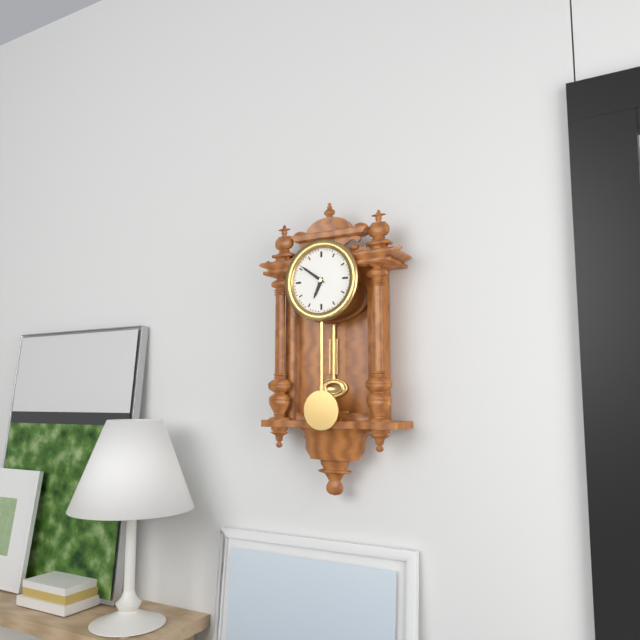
h=6 m=51
